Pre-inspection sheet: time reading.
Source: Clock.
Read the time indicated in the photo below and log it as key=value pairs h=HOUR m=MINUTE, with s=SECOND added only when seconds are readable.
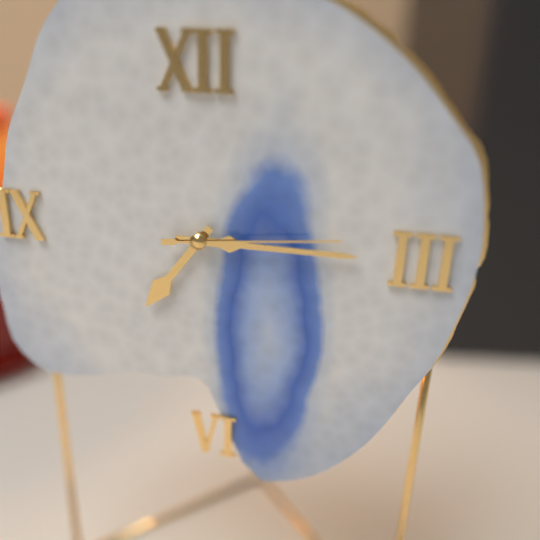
h=7 m=15 s=14
